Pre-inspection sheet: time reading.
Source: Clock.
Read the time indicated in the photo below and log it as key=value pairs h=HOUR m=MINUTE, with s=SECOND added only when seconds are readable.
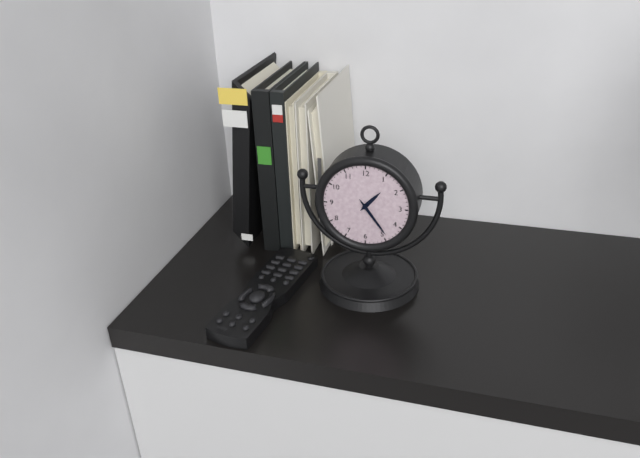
h=1 m=24
